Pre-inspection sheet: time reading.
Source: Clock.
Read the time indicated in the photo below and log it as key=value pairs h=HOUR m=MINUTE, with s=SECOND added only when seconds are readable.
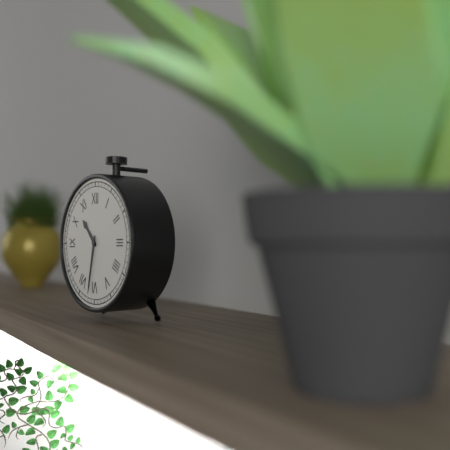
h=10 m=32
